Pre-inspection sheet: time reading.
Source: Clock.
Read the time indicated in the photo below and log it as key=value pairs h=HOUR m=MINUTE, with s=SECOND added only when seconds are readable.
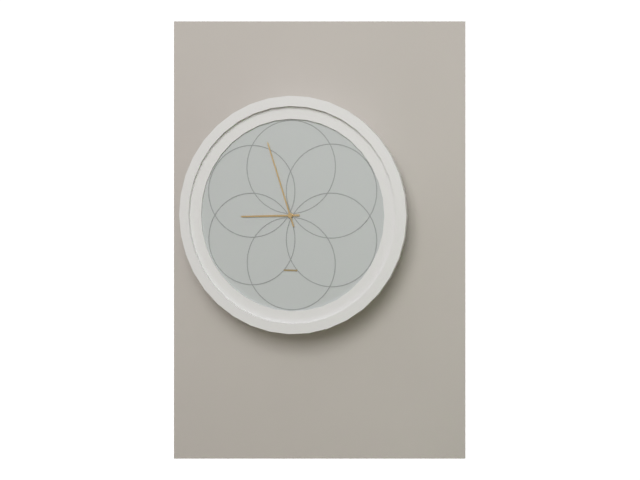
h=8 m=57
